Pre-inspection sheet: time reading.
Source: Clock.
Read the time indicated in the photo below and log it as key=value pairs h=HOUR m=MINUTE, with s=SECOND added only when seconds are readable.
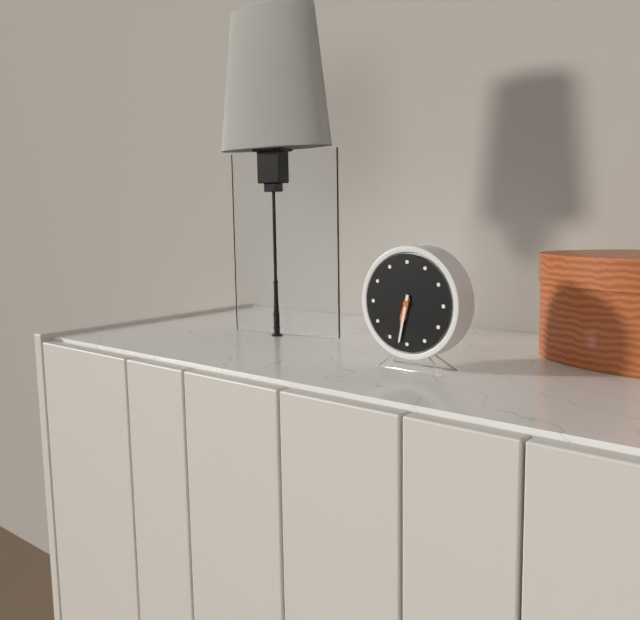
h=6 m=32
